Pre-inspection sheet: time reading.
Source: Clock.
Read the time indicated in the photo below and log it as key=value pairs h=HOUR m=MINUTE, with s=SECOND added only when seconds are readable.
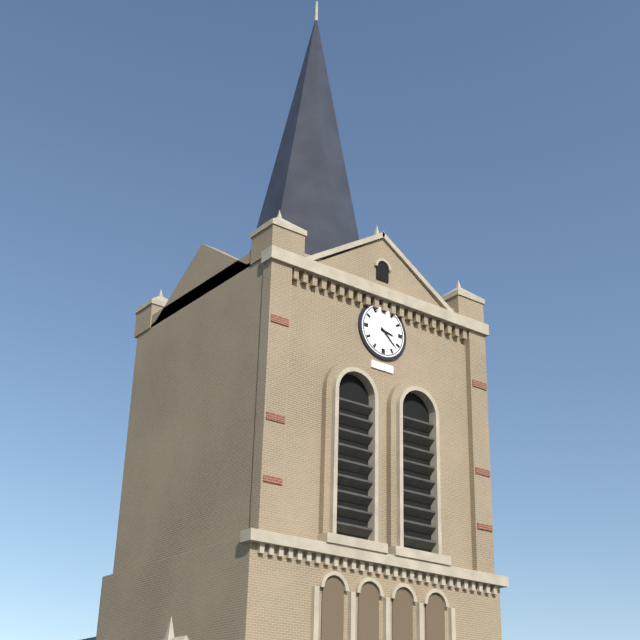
h=3 m=22
